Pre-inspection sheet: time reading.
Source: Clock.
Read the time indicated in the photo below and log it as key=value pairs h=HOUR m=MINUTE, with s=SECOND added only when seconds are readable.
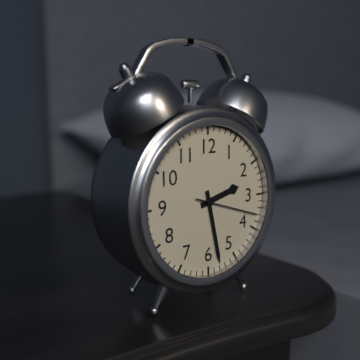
h=2 m=28 s=18
